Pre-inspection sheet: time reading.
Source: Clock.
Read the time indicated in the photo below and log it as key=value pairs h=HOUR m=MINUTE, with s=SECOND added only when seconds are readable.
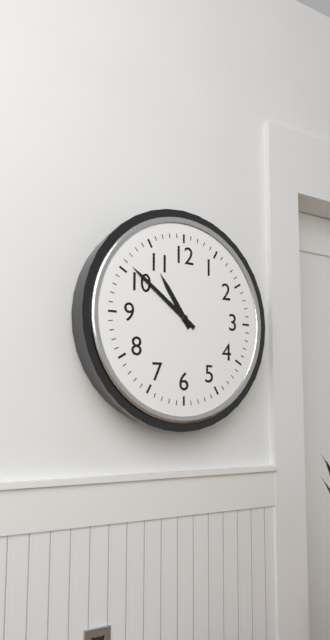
h=10 m=51
